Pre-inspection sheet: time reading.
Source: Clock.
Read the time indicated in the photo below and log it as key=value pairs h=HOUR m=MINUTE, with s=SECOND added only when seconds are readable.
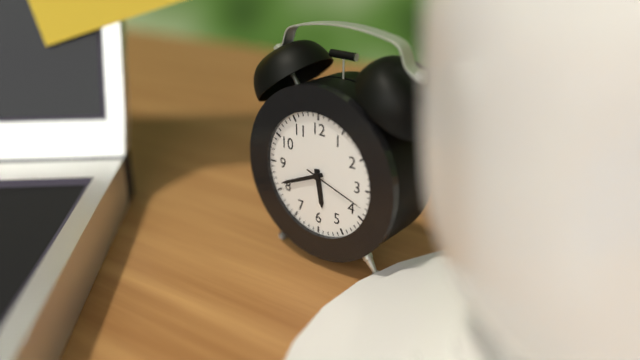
h=5 m=41 s=18
